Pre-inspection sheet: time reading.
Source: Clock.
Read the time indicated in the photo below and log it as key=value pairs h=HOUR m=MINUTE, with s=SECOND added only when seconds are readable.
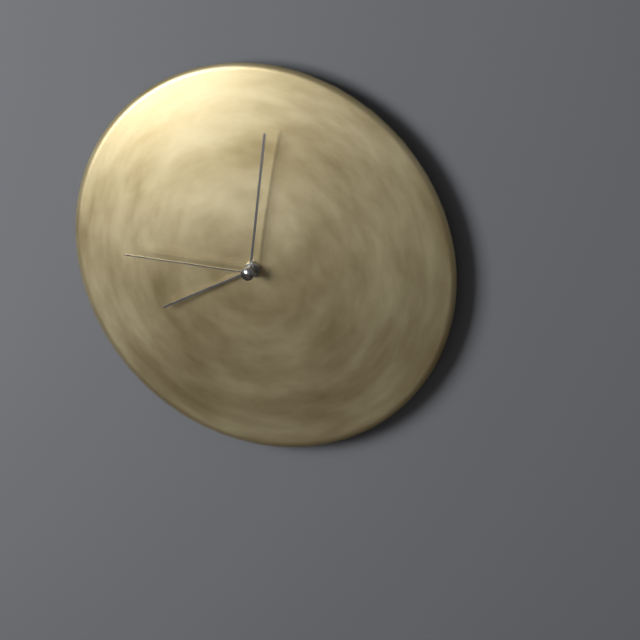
h=8 m=1 s=45
